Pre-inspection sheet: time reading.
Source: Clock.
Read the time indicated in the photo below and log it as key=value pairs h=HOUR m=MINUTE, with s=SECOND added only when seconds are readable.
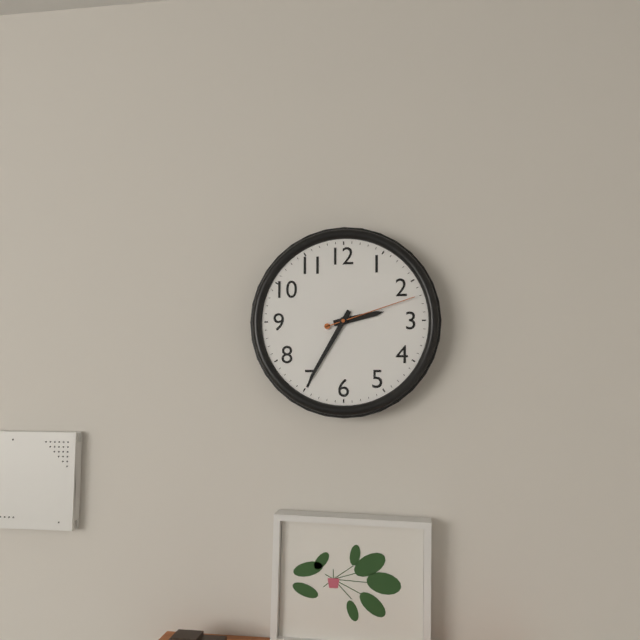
h=2 m=35 s=12
